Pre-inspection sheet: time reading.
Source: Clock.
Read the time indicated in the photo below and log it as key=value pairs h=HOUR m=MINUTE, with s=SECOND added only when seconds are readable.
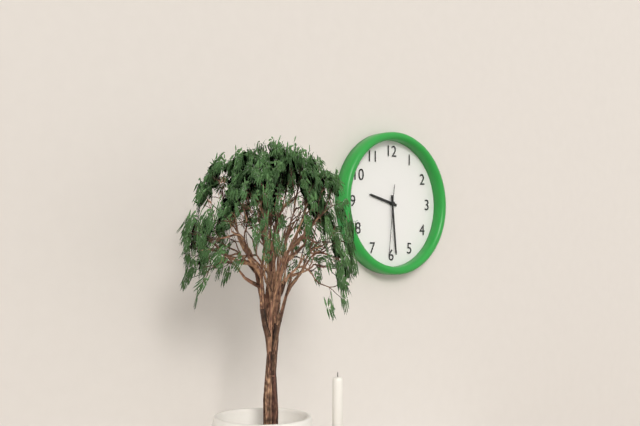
h=9 m=29 s=31
